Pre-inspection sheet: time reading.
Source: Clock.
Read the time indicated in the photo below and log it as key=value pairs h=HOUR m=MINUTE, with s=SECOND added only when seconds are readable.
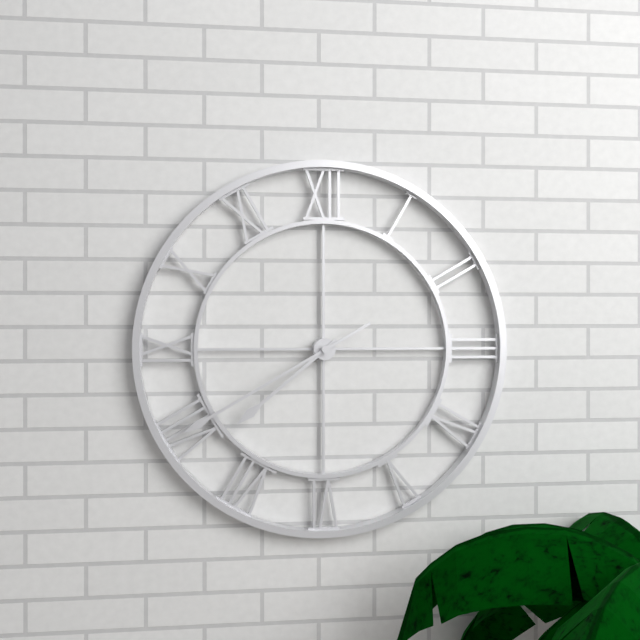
h=7 m=40
